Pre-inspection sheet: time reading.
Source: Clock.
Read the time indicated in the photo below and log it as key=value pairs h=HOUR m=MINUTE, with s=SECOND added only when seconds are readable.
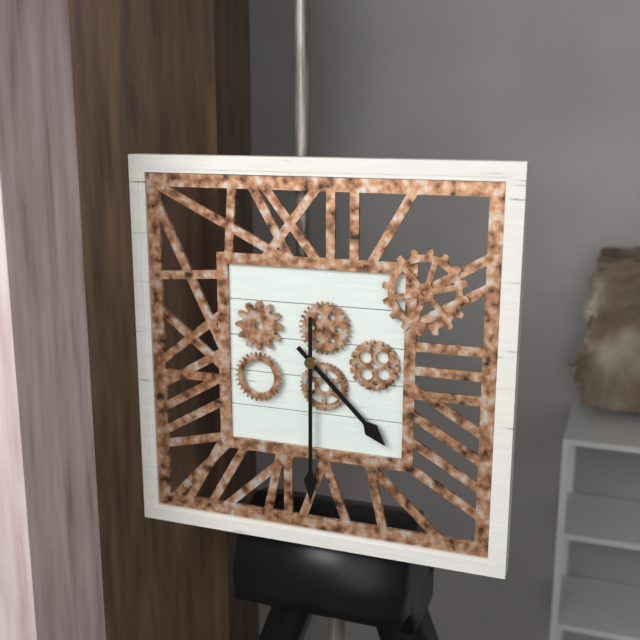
h=4 m=30
